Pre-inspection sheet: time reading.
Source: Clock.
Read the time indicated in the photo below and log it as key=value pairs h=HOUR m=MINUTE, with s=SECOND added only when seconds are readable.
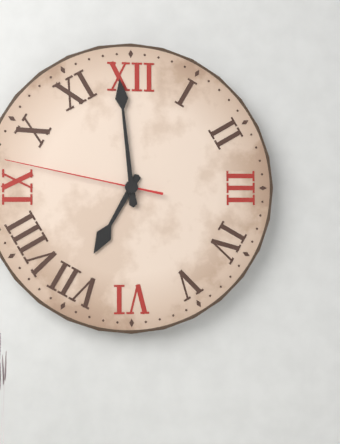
h=6 m=59 s=47
